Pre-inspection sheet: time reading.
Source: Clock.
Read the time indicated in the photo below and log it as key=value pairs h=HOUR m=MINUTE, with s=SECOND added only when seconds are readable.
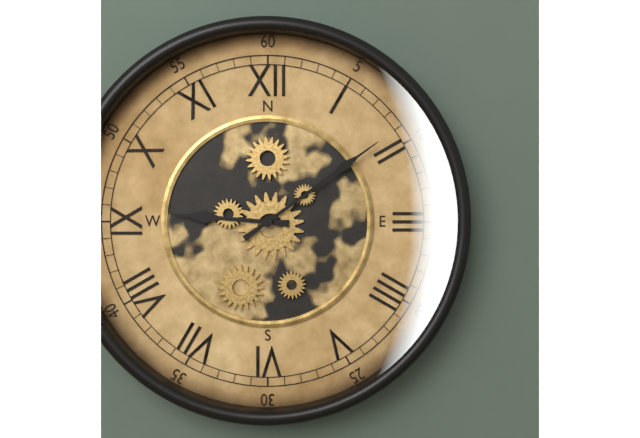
h=9 m=9
